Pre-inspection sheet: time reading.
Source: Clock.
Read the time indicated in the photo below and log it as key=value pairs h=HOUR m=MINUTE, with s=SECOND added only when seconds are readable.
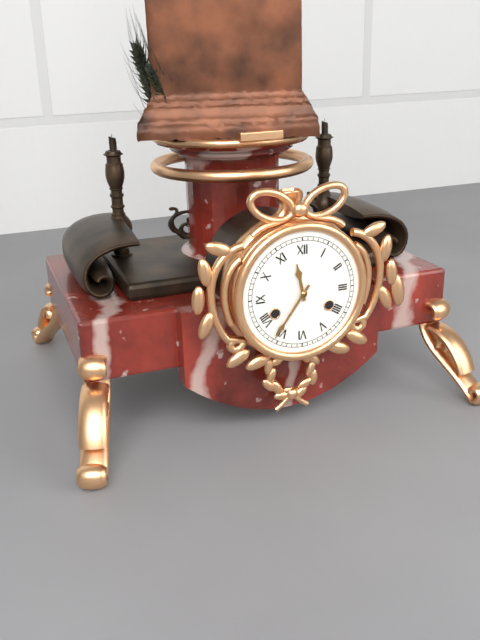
h=11 m=36
